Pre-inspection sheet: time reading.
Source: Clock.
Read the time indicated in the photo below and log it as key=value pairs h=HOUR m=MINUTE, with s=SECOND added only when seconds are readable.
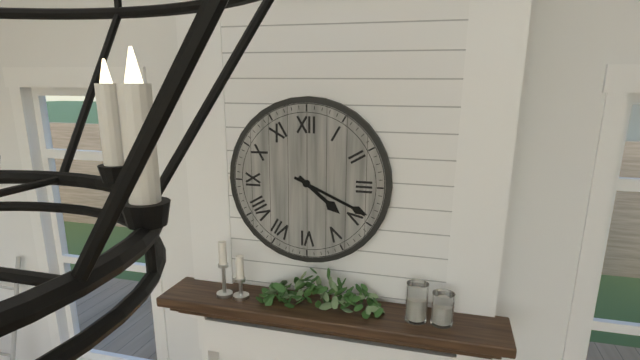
h=4 m=19
